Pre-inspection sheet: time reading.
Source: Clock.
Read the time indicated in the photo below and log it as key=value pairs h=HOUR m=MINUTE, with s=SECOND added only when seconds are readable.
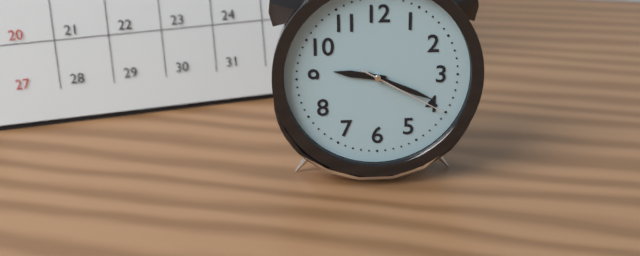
h=9 m=19 s=20
